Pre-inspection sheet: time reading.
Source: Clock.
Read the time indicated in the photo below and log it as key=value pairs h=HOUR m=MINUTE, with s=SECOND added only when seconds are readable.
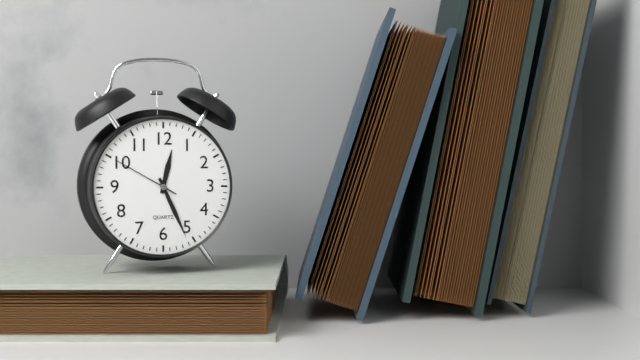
h=12 m=26 s=50
